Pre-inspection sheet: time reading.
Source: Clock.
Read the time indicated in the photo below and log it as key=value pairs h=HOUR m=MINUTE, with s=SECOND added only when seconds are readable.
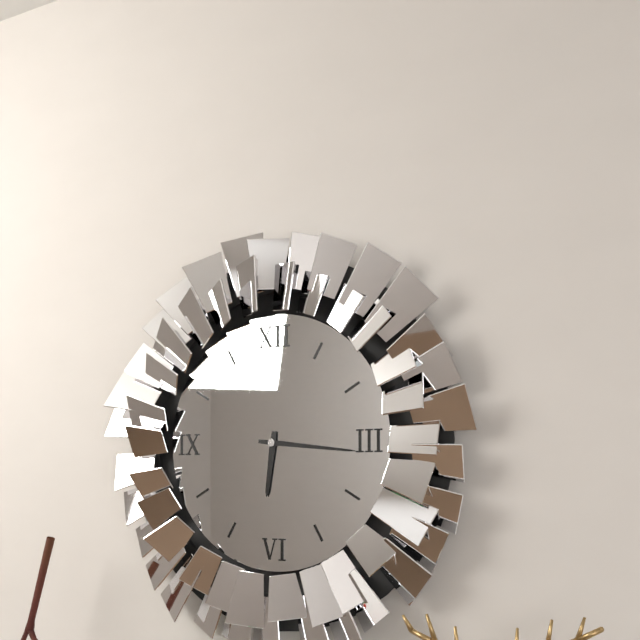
h=6 m=16
